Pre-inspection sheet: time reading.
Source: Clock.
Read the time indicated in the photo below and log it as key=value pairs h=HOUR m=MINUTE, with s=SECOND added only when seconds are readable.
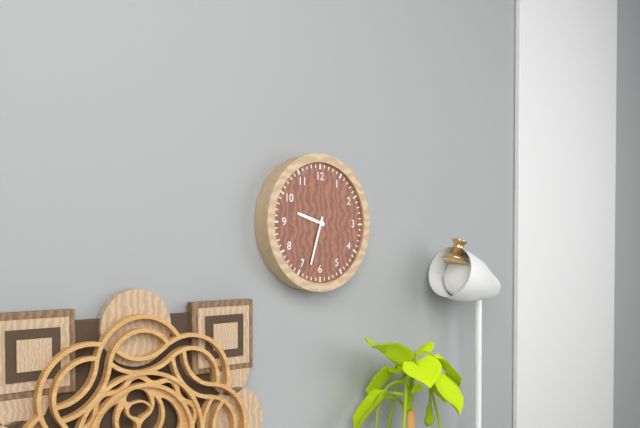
h=9 m=33
